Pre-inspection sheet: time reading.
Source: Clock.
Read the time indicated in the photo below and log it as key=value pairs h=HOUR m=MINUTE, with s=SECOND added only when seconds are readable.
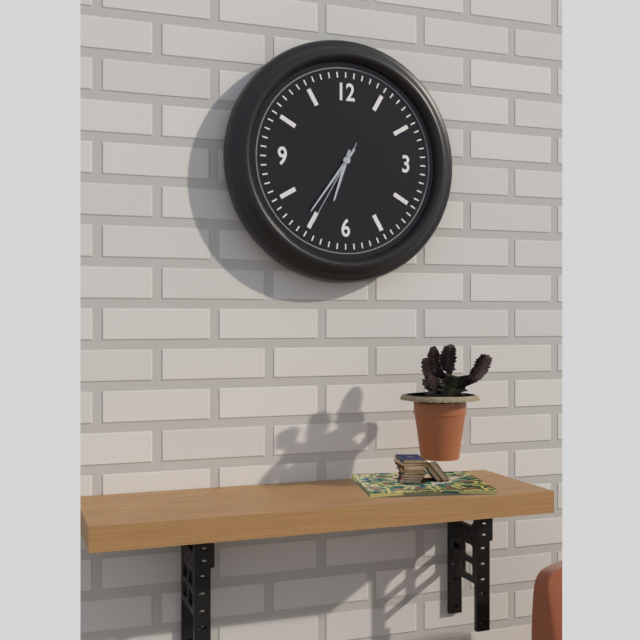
h=6 m=36 s=35
